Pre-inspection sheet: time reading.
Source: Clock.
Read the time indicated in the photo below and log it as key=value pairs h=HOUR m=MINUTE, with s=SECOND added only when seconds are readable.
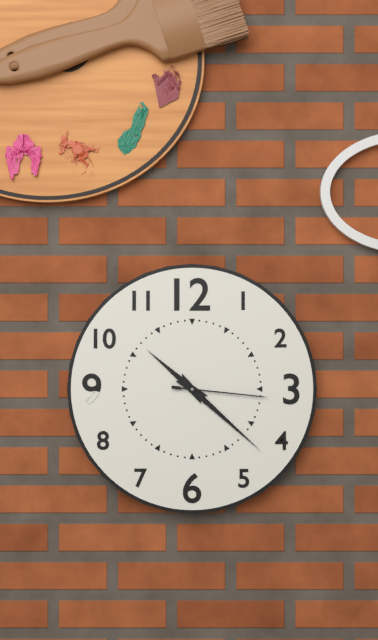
h=10 m=22 s=16
